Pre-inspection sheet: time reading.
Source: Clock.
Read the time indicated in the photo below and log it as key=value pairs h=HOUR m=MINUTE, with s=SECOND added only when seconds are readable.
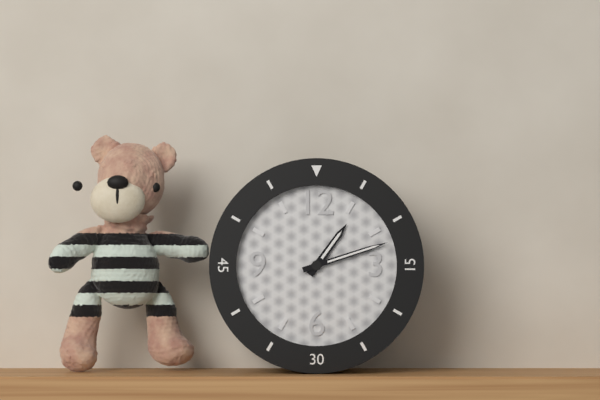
h=1 m=12
